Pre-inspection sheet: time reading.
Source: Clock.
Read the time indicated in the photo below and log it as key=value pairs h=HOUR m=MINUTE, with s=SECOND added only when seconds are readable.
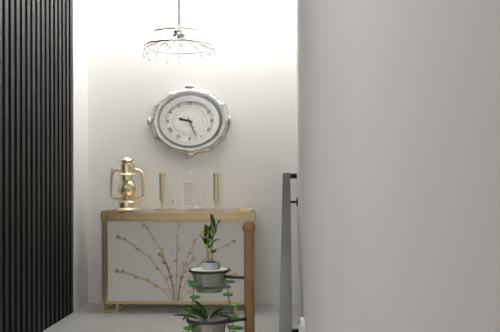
h=9 m=26
